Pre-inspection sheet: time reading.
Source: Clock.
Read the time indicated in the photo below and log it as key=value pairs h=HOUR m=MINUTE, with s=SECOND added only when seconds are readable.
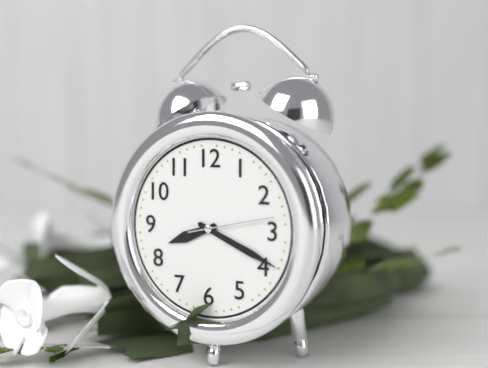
h=8 m=19 s=13
